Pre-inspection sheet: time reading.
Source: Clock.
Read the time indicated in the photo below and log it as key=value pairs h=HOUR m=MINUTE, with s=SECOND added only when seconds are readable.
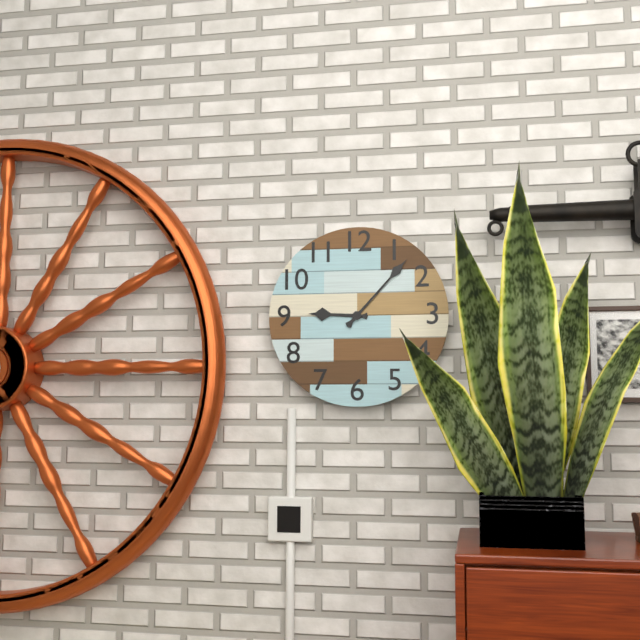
h=9 m=7
